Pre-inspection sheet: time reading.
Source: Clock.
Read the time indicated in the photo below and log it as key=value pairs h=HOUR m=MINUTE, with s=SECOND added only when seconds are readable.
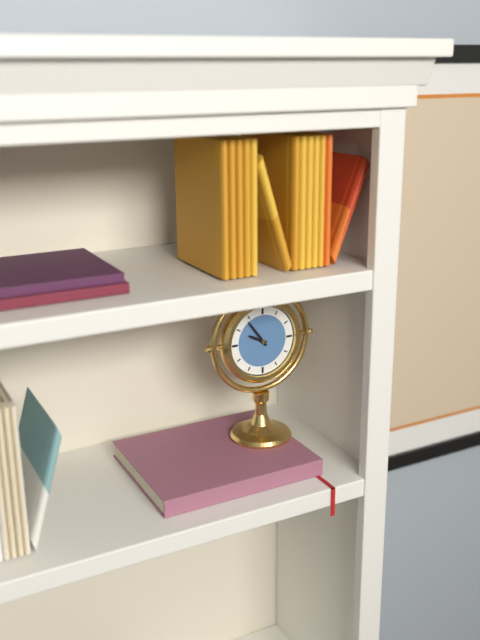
h=9 m=54
